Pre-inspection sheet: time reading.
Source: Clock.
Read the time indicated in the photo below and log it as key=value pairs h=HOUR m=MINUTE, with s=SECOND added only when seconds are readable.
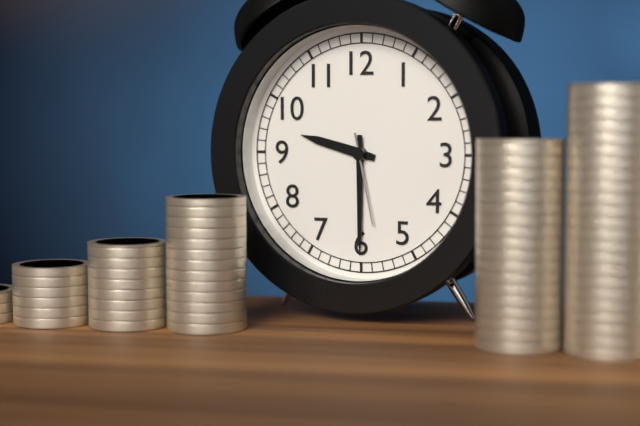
h=9 m=30 s=28
